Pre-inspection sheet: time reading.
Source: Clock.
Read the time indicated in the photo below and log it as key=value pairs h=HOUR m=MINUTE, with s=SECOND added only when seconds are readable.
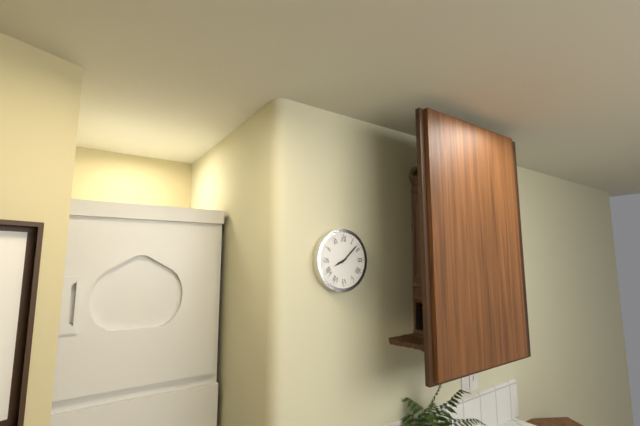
h=8 m=8
